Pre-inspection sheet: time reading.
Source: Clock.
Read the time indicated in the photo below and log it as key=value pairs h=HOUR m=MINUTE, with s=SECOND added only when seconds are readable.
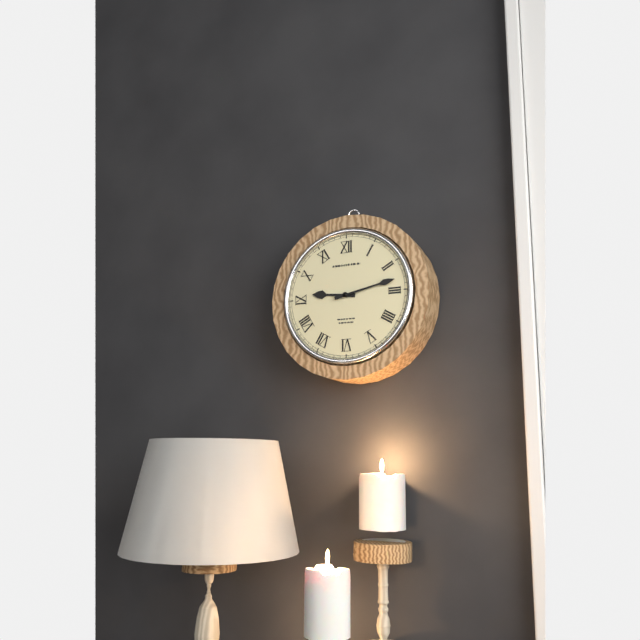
h=9 m=13
